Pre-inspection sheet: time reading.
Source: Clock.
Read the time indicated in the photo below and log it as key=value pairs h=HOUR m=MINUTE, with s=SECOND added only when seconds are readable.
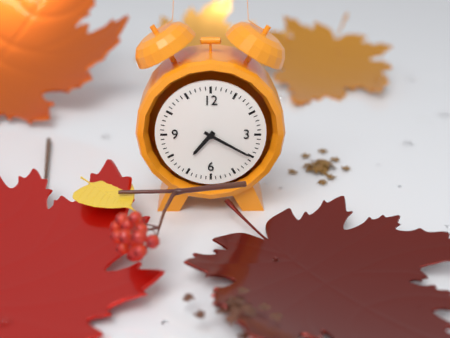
h=7 m=20
